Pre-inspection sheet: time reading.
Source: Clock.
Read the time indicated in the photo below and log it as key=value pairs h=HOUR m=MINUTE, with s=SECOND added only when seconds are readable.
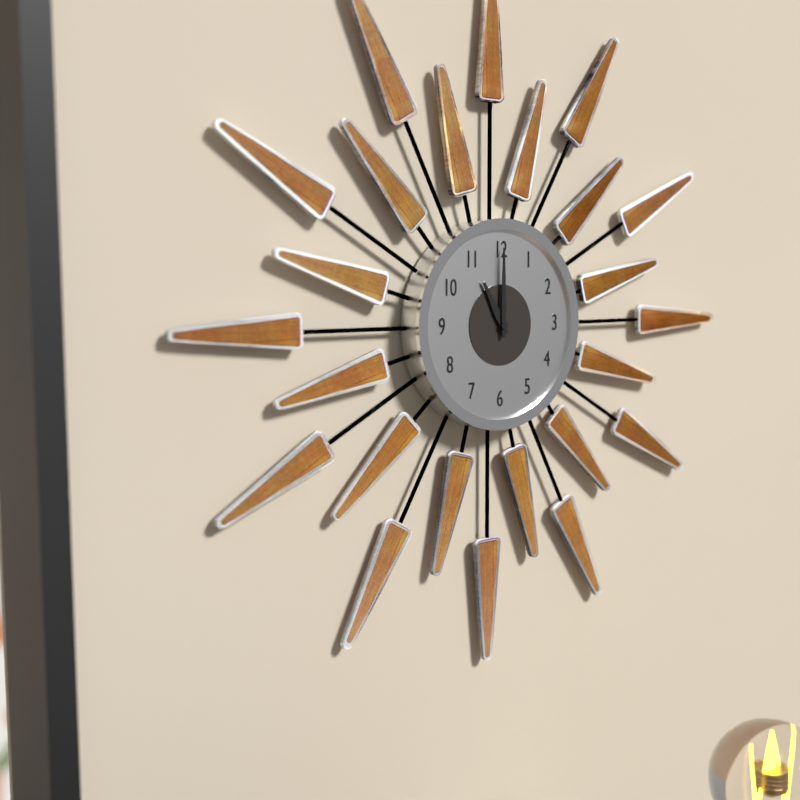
h=11 m=0
